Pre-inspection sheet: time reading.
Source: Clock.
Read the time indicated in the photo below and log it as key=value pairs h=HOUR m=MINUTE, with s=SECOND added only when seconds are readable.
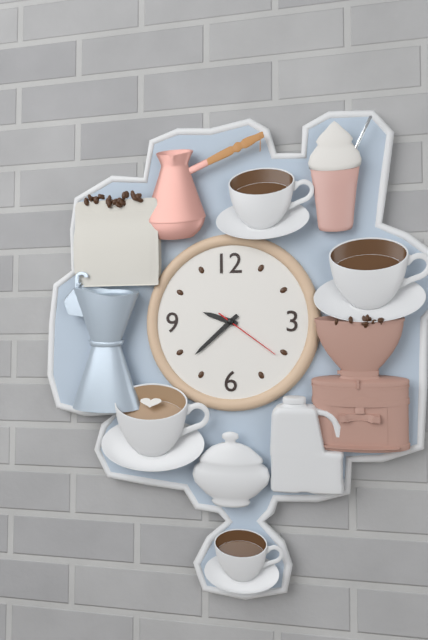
h=9 m=38 s=21
